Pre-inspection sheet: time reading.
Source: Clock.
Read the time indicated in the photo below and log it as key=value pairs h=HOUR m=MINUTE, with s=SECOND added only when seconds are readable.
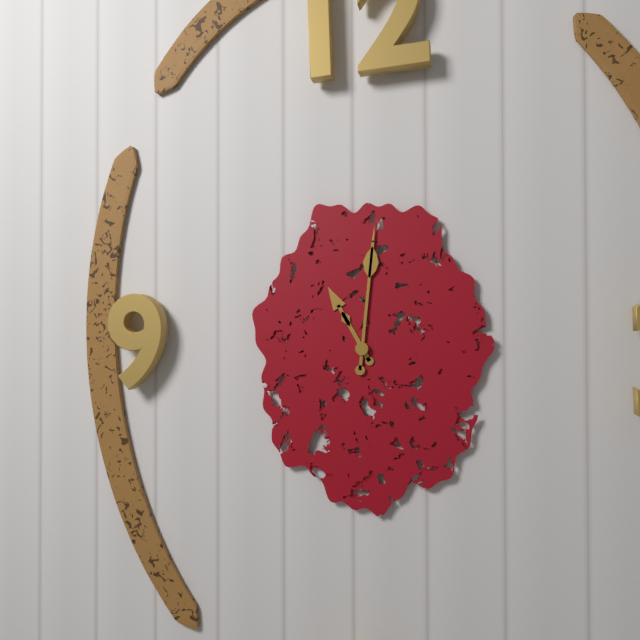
h=11 m=1
